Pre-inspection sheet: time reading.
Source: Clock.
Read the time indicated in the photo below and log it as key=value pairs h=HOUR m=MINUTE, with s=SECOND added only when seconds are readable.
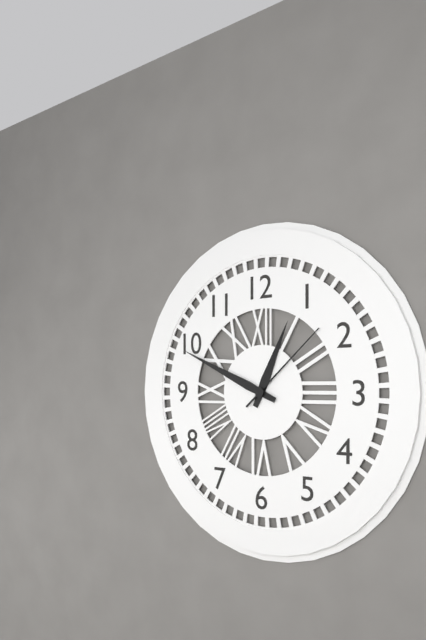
h=12 m=49 s=8
